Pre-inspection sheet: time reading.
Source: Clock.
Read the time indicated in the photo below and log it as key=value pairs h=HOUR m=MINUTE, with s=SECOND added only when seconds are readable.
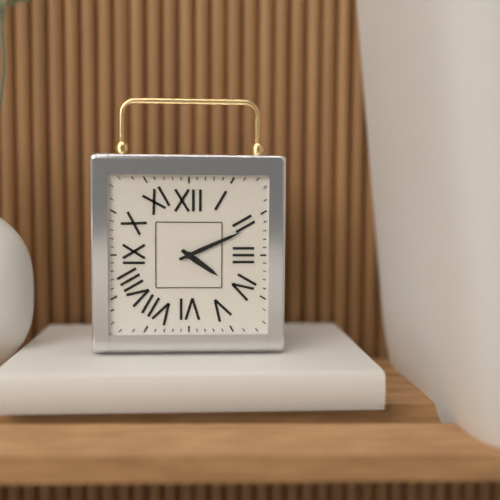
h=4 m=11
